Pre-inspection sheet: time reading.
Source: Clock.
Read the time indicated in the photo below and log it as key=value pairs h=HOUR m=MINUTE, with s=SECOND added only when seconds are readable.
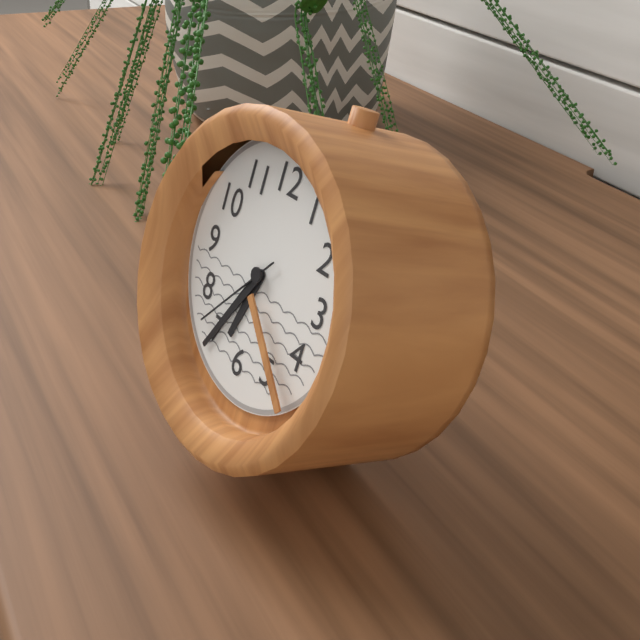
h=6 m=35 s=37
